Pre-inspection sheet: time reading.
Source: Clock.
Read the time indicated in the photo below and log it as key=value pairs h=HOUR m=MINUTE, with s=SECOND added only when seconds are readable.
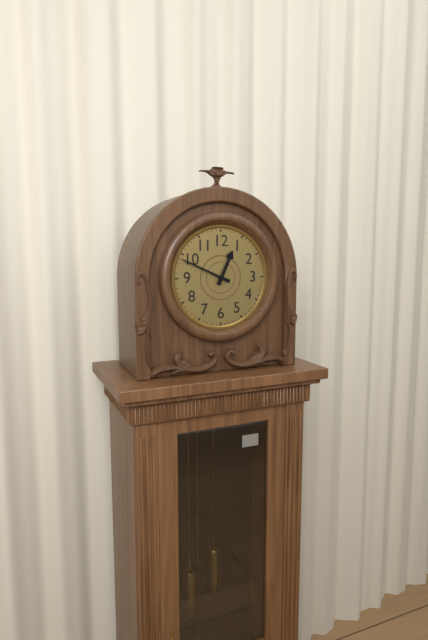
h=12 m=49
